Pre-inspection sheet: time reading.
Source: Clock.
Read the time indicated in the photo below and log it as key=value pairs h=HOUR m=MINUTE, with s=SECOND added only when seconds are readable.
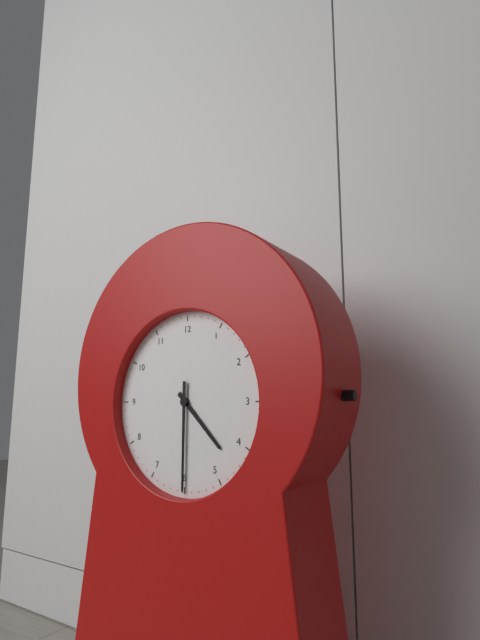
h=4 m=30
